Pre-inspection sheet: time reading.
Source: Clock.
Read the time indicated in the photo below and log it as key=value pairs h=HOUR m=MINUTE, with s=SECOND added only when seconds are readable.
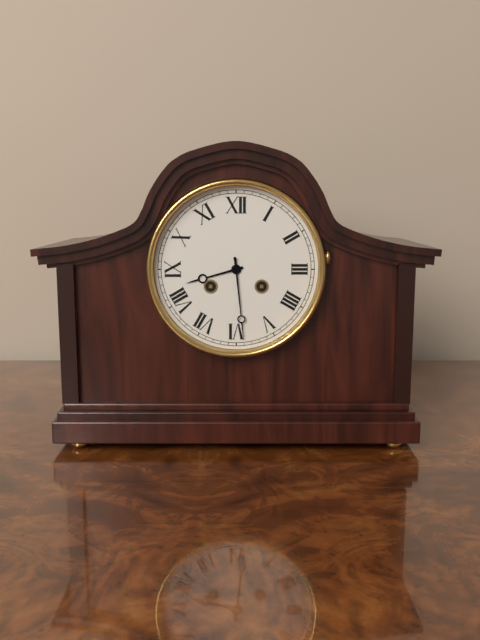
h=8 m=29
